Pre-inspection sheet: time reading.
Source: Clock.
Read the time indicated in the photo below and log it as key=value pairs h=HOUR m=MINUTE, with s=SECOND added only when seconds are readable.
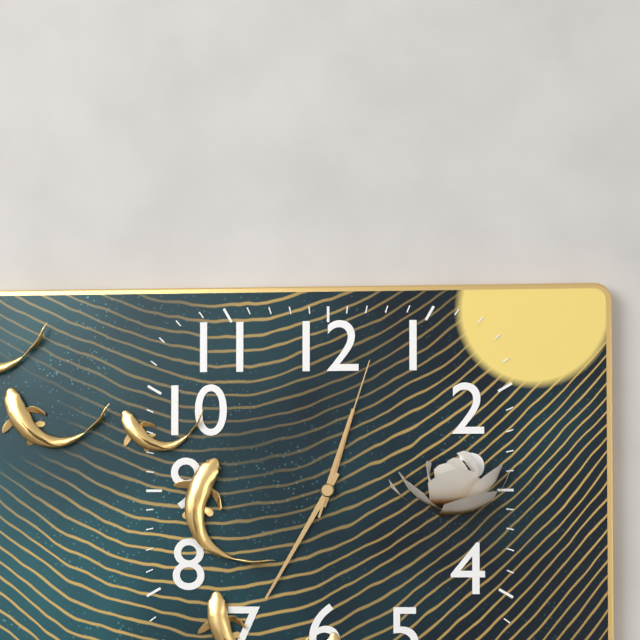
h=12 m=35 s=3
